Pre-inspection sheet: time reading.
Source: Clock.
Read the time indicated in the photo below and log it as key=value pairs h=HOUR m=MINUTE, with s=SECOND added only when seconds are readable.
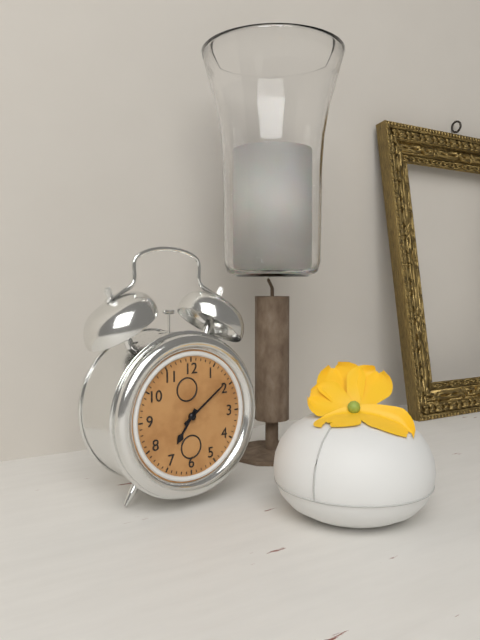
h=7 m=9
